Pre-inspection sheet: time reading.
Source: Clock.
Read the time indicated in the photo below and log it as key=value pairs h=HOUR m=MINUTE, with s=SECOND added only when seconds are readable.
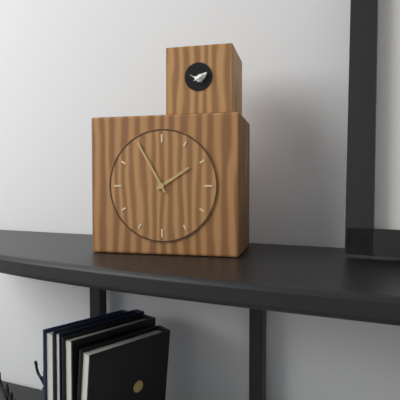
h=1 m=55
